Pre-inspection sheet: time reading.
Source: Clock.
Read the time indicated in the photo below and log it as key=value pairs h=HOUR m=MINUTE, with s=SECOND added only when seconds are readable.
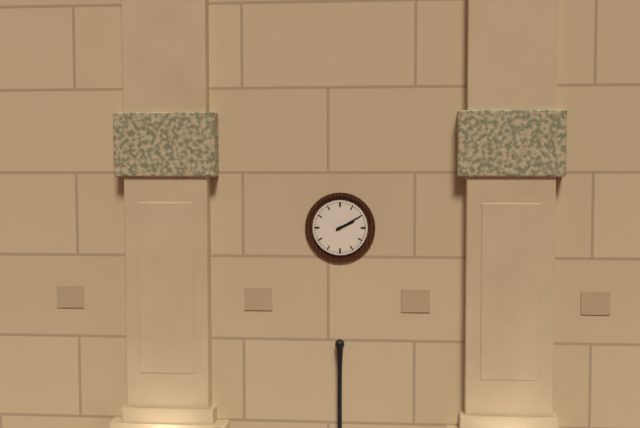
h=2 m=10
